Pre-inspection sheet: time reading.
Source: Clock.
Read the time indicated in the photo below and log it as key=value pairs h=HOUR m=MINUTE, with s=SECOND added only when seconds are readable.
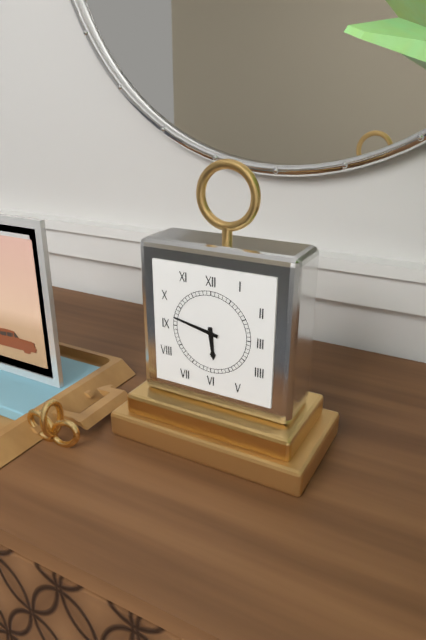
h=5 m=47
